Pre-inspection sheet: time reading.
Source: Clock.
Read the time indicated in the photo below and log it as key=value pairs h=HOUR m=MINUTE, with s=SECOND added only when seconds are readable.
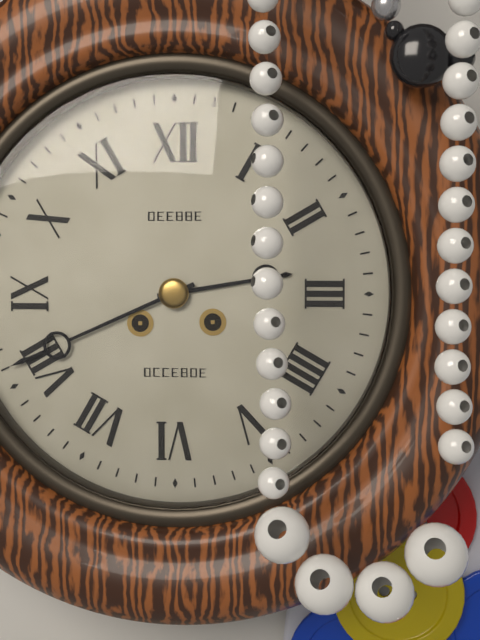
h=2 m=41
